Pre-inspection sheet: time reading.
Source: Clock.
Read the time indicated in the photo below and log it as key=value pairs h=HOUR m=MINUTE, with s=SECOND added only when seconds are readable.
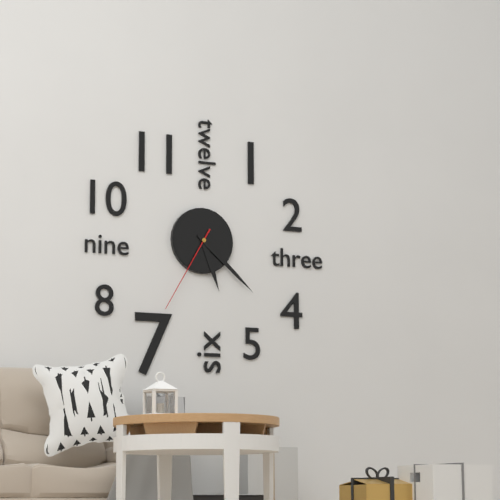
h=5 m=22 s=35
